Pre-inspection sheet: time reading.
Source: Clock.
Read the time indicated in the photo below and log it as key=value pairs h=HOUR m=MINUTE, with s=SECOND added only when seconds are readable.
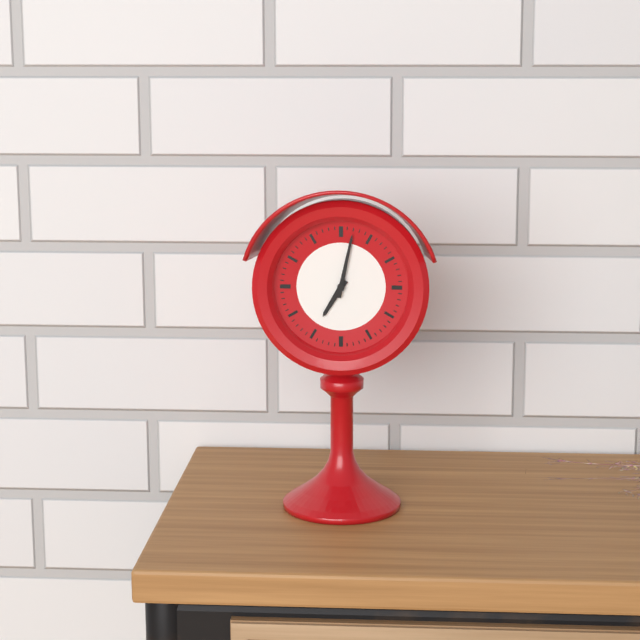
h=7 m=2
